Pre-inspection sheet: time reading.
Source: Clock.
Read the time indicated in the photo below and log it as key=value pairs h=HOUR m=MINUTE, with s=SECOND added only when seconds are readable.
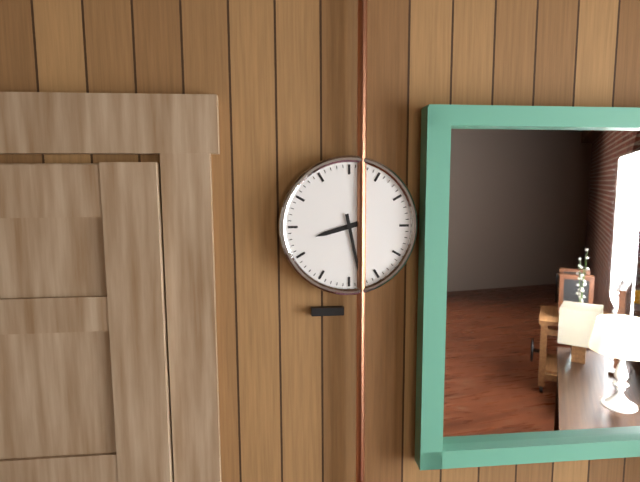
h=8 m=28
